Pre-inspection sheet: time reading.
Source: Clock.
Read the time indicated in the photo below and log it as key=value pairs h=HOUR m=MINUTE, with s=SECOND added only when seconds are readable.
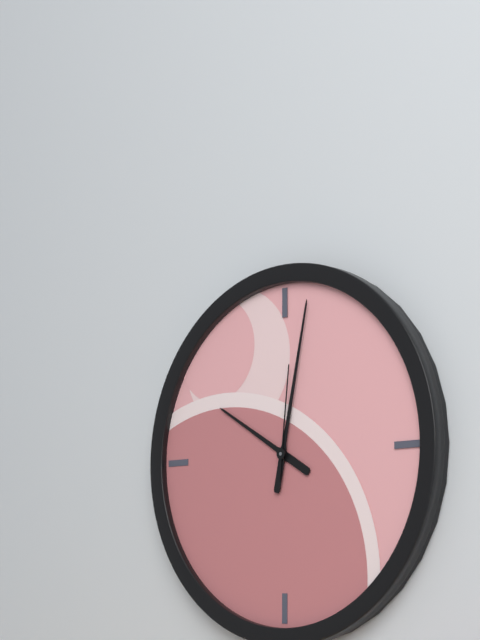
h=10 m=2 s=1
